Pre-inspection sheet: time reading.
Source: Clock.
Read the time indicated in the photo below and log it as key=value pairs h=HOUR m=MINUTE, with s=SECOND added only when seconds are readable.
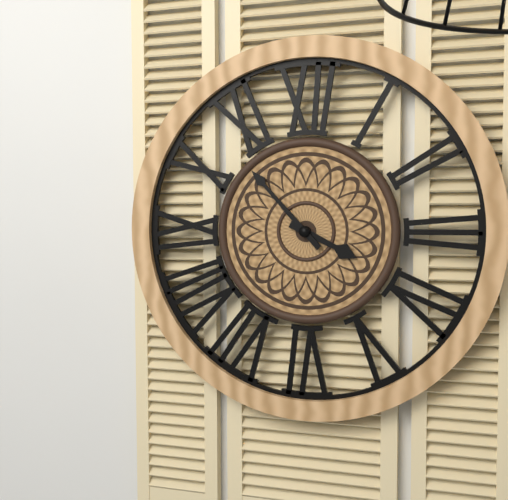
h=3 m=53
